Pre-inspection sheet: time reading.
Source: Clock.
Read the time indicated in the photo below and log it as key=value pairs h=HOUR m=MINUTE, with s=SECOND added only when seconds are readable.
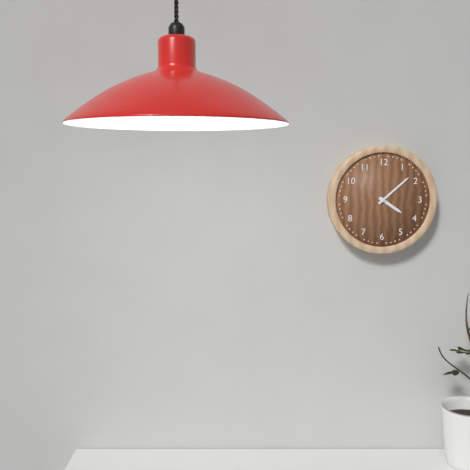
h=4 m=8
